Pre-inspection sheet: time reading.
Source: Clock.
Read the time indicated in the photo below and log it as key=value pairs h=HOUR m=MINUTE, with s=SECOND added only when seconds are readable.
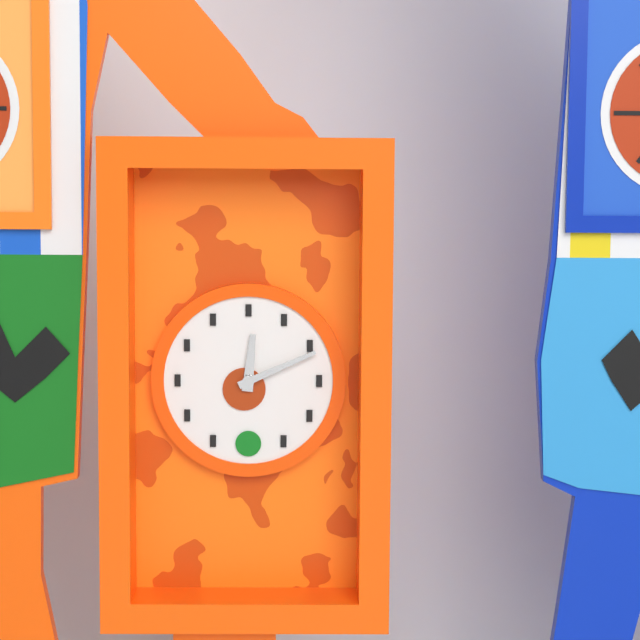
h=12 m=11
